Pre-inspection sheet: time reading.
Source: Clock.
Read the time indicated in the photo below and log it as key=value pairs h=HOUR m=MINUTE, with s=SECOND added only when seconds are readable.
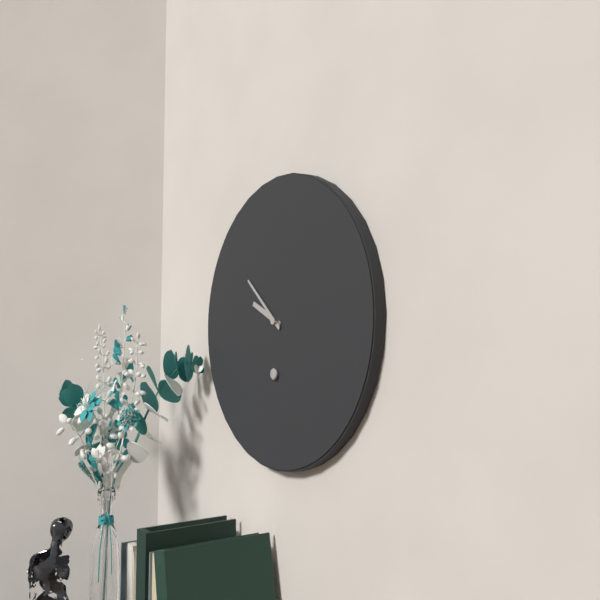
h=9 m=52
